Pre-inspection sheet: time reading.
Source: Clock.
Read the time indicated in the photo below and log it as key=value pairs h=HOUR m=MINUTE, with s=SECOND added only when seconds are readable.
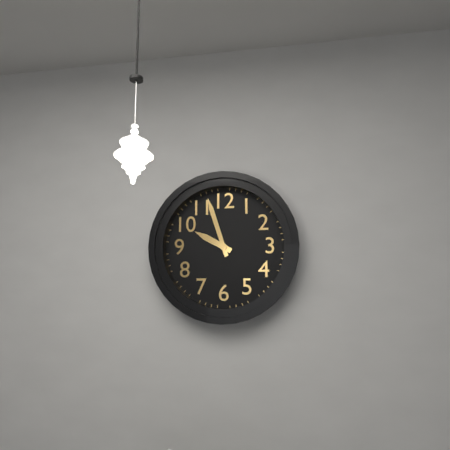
h=9 m=57
